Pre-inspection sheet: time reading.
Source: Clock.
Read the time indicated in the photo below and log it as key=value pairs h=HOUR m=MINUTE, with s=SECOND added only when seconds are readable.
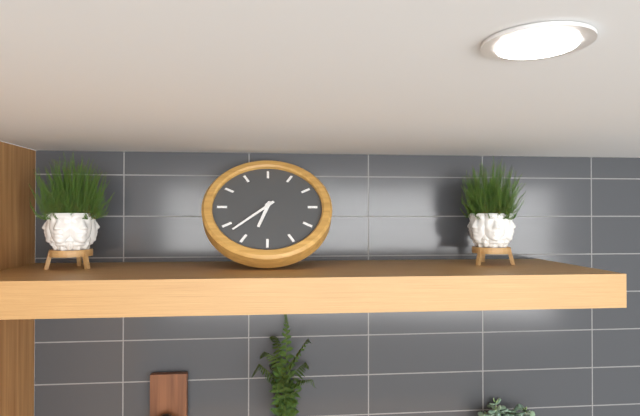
h=6 m=38
